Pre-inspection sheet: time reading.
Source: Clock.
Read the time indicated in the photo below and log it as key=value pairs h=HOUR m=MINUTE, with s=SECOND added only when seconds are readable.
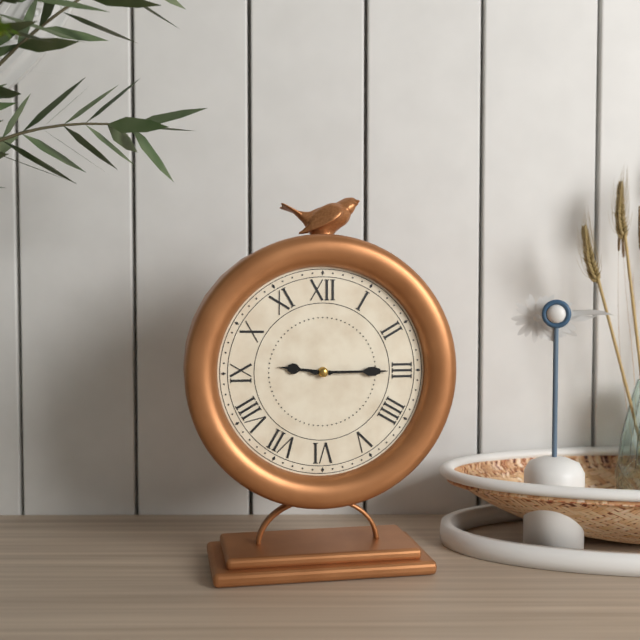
h=9 m=15
